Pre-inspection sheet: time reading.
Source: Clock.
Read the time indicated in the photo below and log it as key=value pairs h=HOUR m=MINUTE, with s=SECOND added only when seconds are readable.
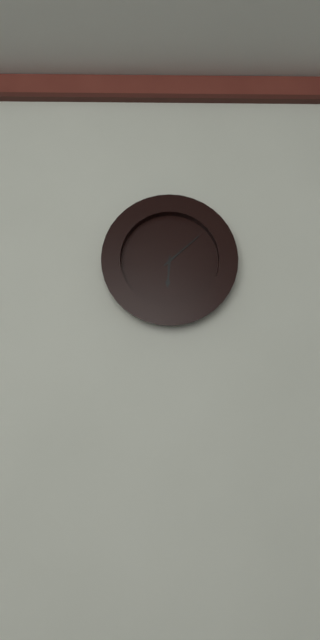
h=6 m=8
